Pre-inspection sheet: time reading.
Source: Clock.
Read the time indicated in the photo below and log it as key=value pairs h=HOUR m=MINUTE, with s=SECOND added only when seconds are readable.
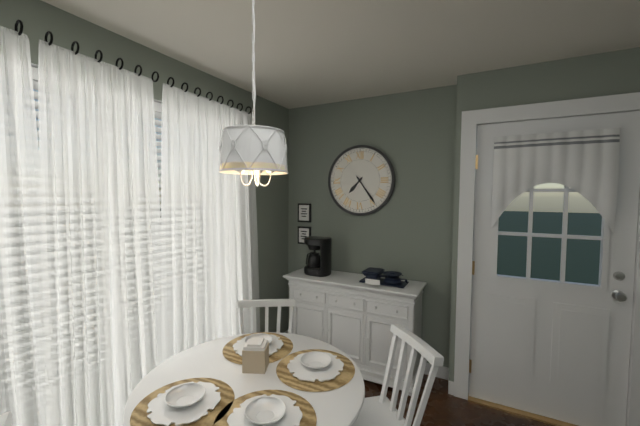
h=7 m=24
